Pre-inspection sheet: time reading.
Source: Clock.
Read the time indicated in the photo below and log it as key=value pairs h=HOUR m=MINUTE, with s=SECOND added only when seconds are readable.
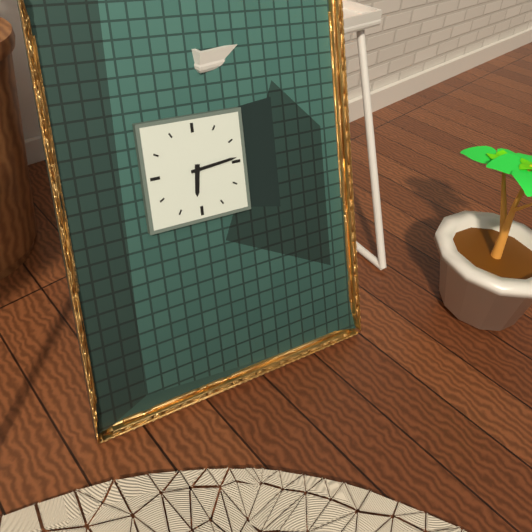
h=6 m=14
